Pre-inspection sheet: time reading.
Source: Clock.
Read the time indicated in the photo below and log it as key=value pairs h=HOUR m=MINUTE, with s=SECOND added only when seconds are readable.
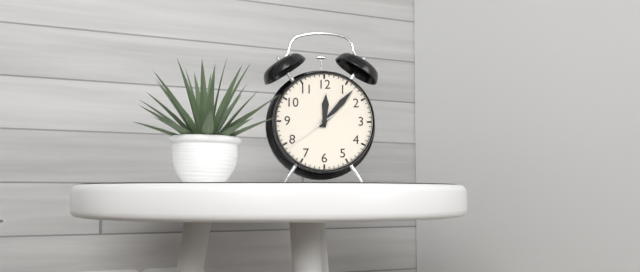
h=12 m=7 s=39
